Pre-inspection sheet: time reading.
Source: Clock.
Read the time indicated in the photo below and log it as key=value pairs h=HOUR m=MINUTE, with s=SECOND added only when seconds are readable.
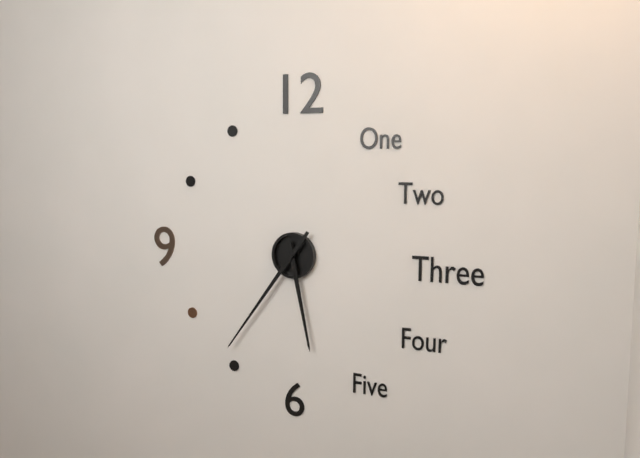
h=5 m=36
